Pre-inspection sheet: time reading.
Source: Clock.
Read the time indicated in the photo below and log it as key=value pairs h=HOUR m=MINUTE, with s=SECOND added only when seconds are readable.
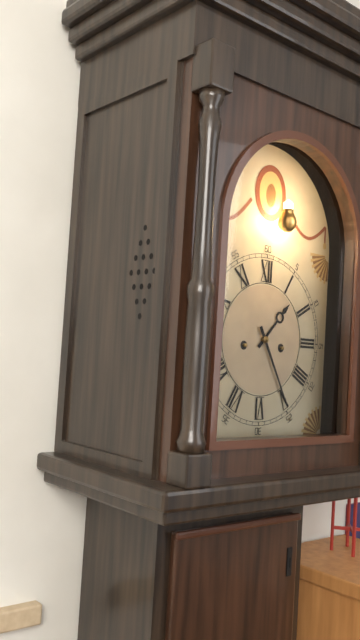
h=1 m=25
